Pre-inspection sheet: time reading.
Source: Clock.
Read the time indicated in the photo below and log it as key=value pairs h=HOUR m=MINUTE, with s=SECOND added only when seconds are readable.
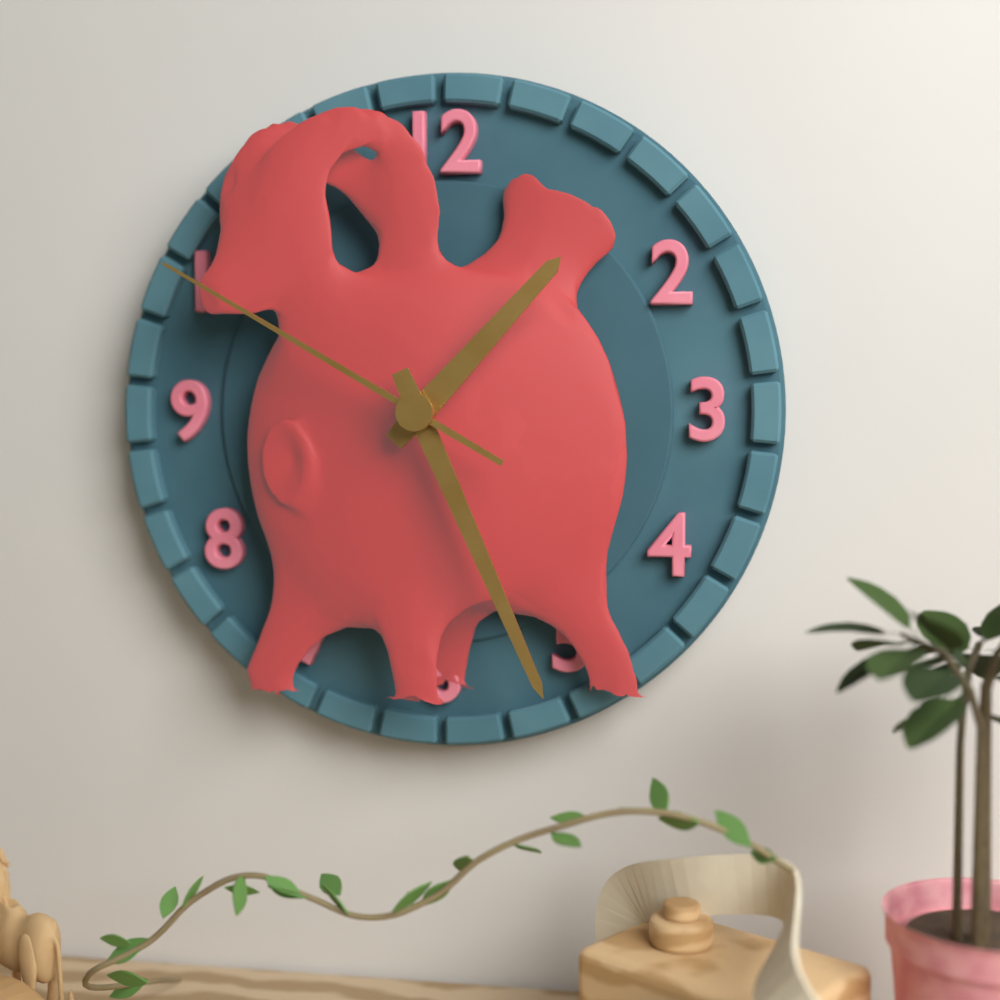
h=1 m=26 s=50
